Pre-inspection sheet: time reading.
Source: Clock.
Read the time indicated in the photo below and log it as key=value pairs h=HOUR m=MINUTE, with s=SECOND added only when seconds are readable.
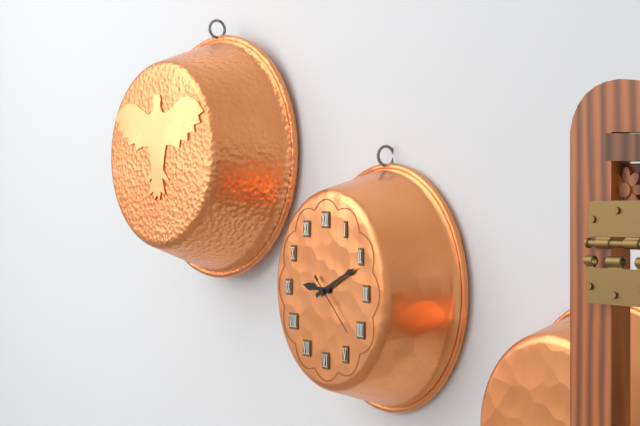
h=9 m=11 s=22
